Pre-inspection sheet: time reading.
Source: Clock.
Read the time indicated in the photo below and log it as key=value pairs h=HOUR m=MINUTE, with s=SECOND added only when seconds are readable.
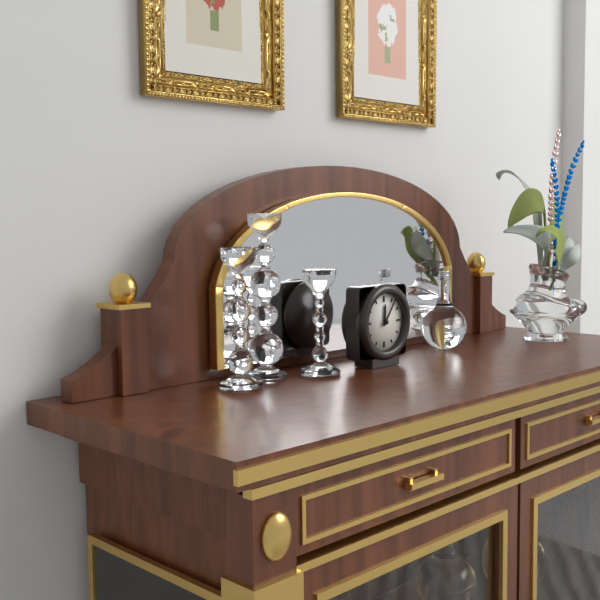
h=12 m=6
